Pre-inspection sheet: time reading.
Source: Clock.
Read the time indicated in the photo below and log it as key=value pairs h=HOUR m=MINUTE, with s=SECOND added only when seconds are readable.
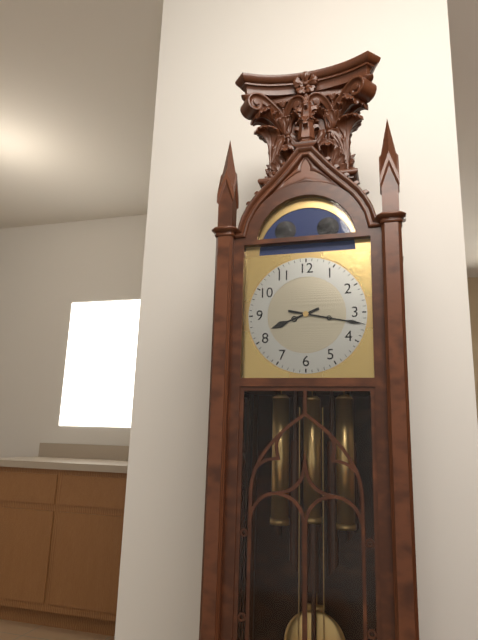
h=8 m=17
